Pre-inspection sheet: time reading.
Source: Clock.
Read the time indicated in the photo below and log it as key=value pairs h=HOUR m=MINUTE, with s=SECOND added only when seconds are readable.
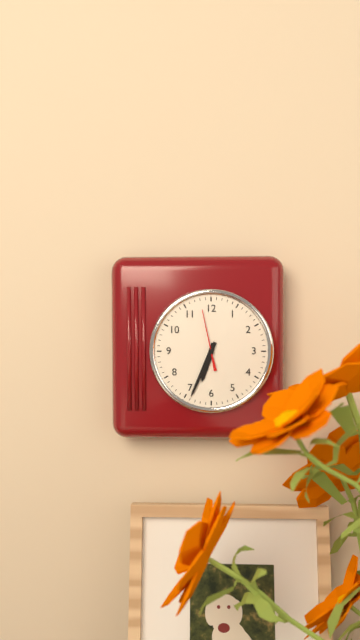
h=6 m=34 s=58
